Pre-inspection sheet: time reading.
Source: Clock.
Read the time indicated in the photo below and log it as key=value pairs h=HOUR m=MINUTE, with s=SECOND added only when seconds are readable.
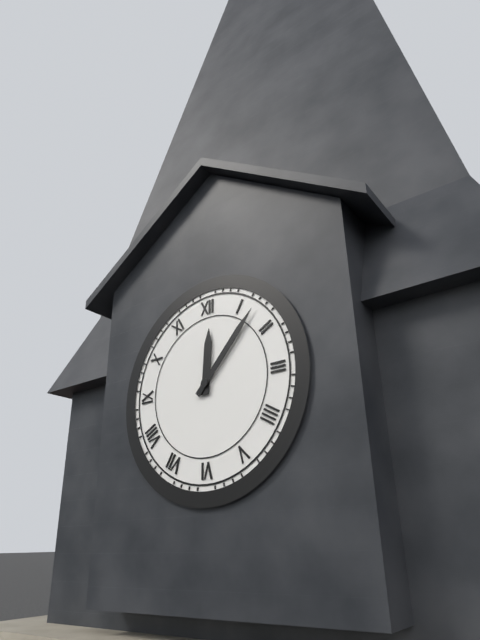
h=12 m=7
